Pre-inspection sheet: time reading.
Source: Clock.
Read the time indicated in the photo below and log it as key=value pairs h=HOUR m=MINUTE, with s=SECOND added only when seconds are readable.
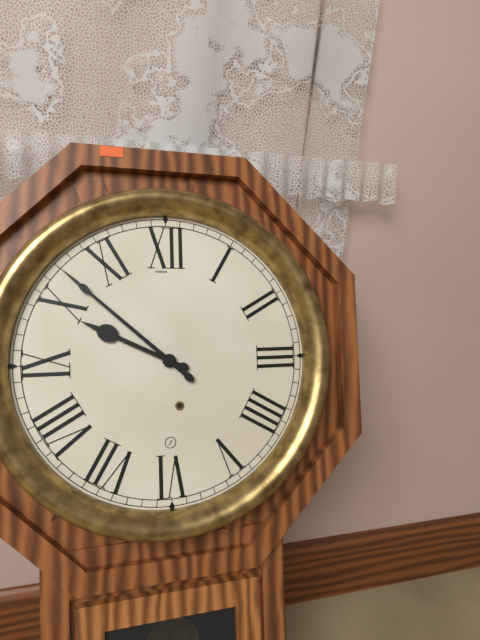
h=9 m=52
